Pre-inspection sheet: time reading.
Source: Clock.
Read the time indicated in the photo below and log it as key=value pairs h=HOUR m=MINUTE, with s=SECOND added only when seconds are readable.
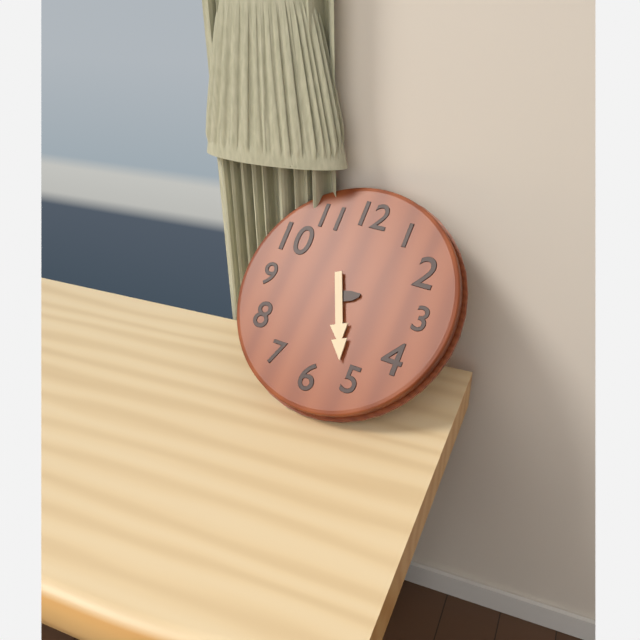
h=2 m=26
